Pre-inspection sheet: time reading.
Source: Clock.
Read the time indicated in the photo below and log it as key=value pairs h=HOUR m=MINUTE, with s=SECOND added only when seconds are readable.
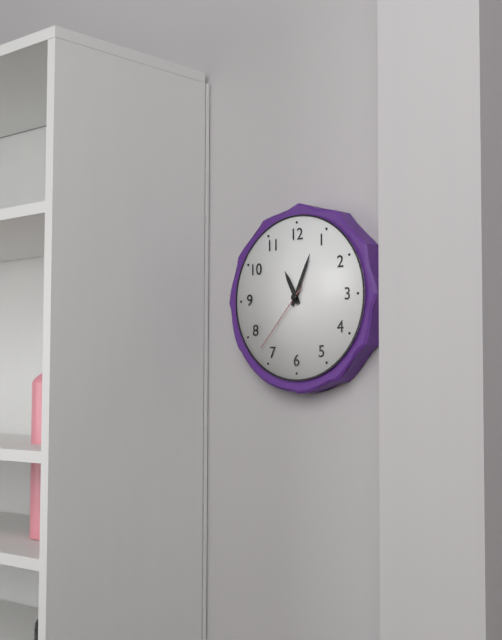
h=11 m=4 s=37
